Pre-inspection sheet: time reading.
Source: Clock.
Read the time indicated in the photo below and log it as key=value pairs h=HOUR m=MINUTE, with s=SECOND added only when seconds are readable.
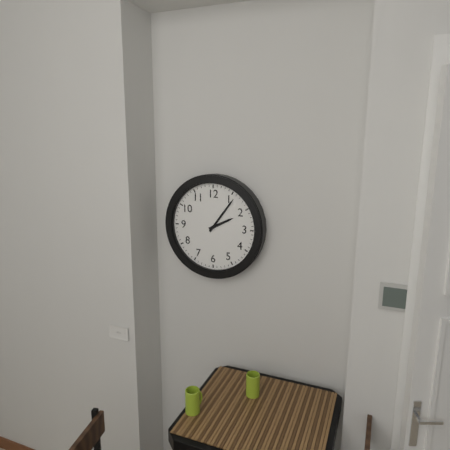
h=2 m=6
